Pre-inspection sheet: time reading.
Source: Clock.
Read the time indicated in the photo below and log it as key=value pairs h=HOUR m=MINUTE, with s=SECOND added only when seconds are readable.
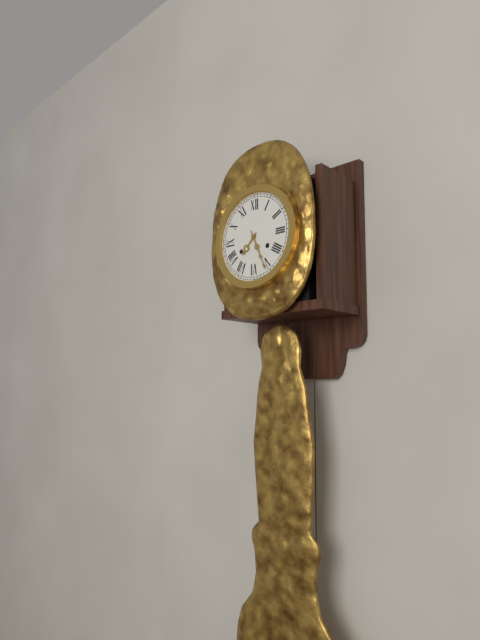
h=7 m=26
